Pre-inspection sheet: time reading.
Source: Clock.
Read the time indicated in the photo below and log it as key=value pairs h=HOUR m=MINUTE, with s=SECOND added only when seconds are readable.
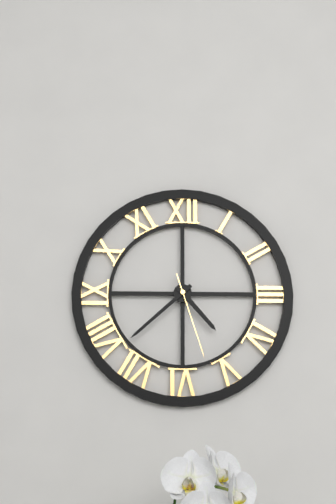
h=4 m=38 s=27
